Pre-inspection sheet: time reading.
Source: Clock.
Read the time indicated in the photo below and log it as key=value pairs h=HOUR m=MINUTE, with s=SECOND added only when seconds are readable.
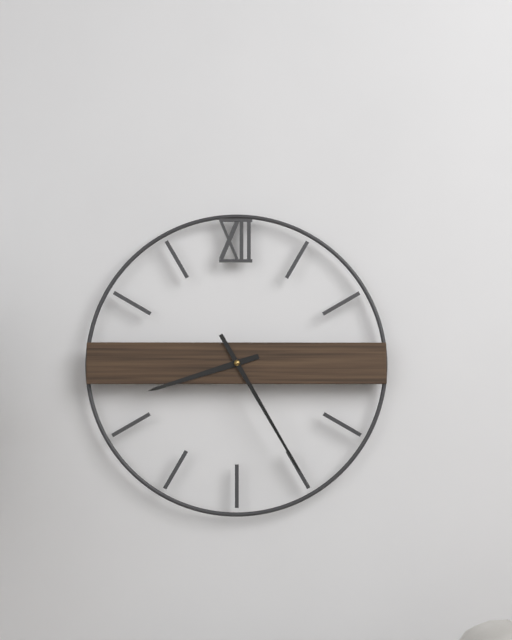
h=8 m=25
